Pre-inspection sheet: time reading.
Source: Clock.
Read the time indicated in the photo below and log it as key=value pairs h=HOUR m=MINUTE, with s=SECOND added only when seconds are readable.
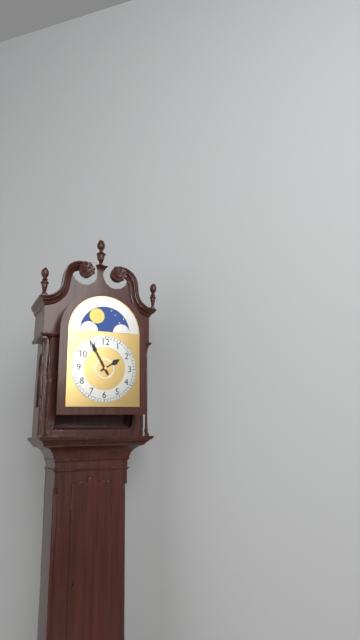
h=1 m=55
